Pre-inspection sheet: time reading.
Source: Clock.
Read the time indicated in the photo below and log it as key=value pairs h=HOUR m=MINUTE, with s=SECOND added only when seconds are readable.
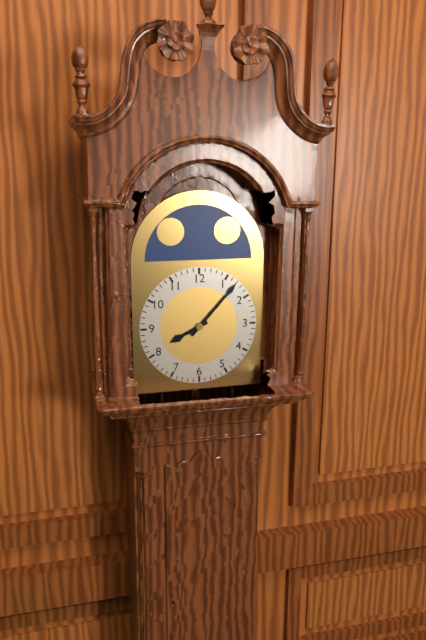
h=8 m=7
